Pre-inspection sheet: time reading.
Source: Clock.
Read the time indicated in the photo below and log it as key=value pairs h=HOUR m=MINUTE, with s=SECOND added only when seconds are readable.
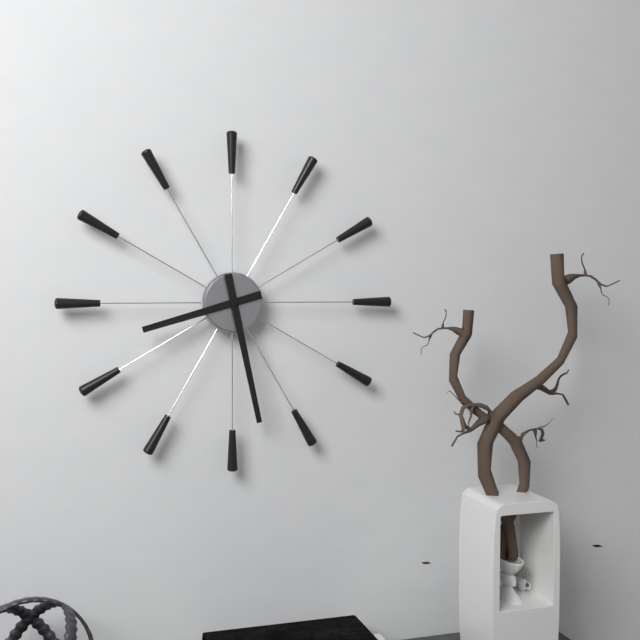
h=8 m=28
